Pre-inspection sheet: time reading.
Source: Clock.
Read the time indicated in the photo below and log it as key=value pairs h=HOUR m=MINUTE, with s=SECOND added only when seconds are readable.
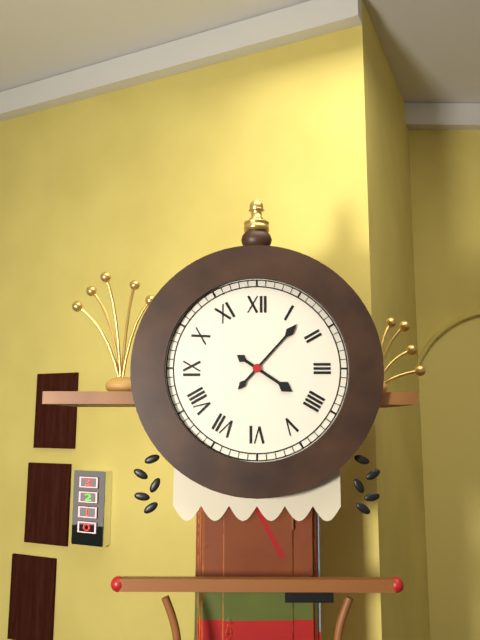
h=4 m=7
